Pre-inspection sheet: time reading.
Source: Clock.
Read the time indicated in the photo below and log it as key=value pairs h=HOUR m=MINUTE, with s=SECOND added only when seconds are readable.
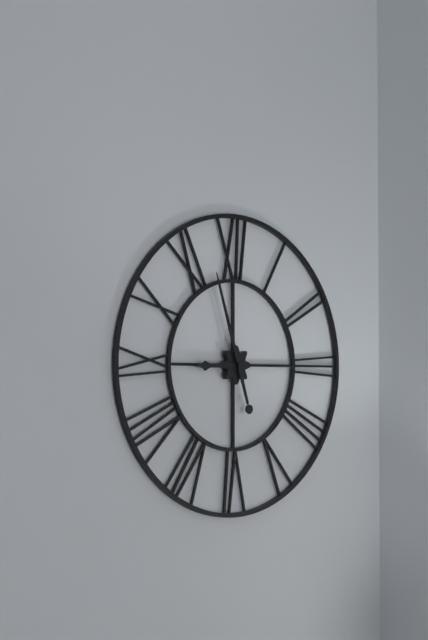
h=8 m=57
